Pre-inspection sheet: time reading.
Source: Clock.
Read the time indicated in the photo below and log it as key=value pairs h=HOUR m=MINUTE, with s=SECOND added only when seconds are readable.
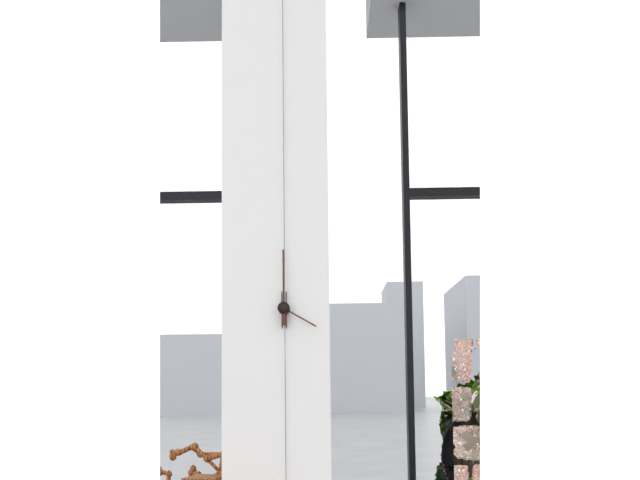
h=4 m=0
